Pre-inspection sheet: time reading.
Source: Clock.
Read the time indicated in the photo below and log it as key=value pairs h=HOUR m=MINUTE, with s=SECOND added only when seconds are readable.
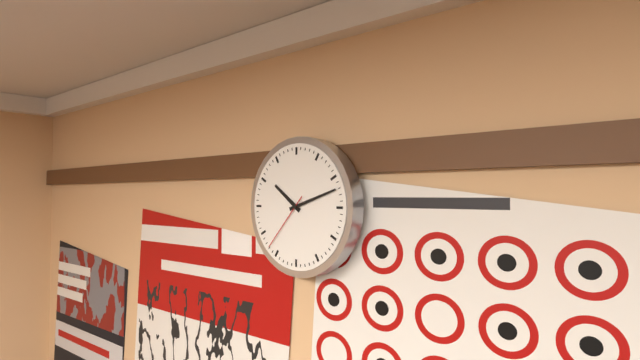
h=10 m=12 s=37
